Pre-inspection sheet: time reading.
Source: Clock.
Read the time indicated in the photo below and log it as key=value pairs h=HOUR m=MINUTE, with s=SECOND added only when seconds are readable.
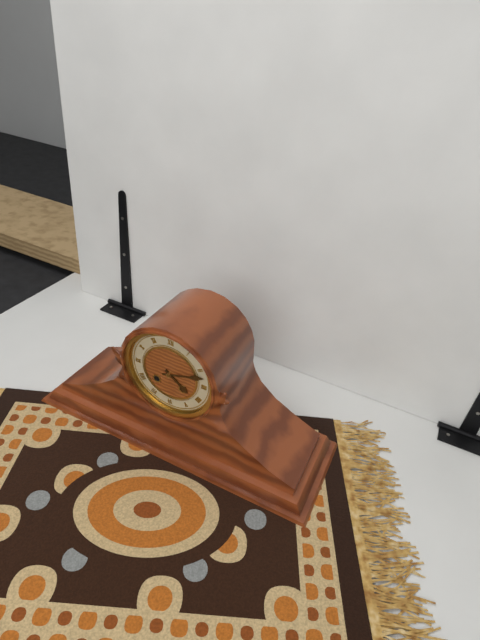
h=4 m=12
